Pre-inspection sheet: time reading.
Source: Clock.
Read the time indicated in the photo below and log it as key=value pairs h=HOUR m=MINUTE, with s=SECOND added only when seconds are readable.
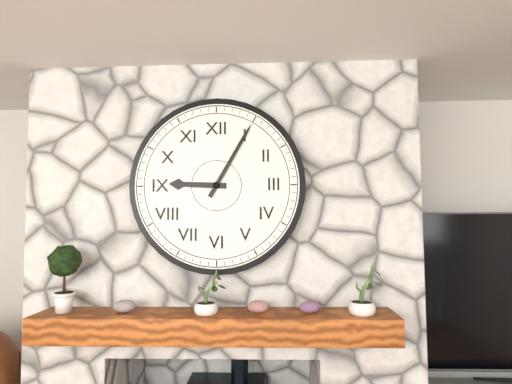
h=9 m=5
